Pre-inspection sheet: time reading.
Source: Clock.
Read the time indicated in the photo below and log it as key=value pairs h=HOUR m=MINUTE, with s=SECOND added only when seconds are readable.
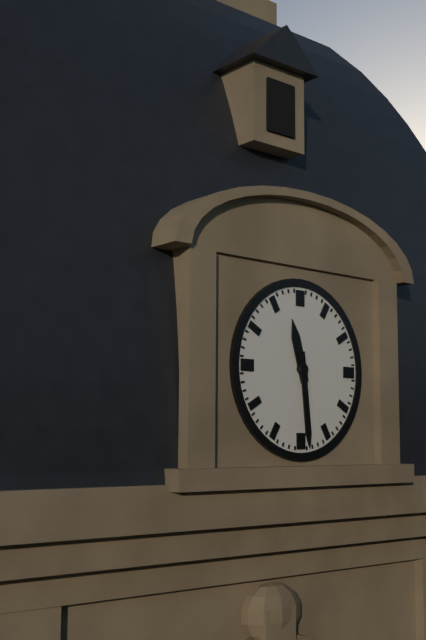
h=11 m=29
